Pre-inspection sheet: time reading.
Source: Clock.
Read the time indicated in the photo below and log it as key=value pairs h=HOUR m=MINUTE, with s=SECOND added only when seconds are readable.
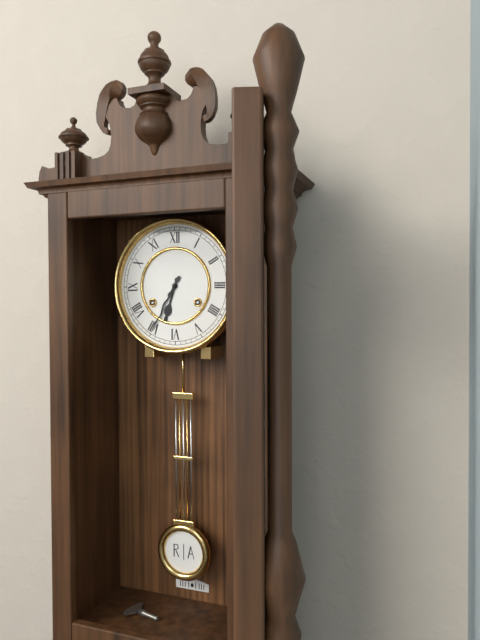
h=6 m=35
